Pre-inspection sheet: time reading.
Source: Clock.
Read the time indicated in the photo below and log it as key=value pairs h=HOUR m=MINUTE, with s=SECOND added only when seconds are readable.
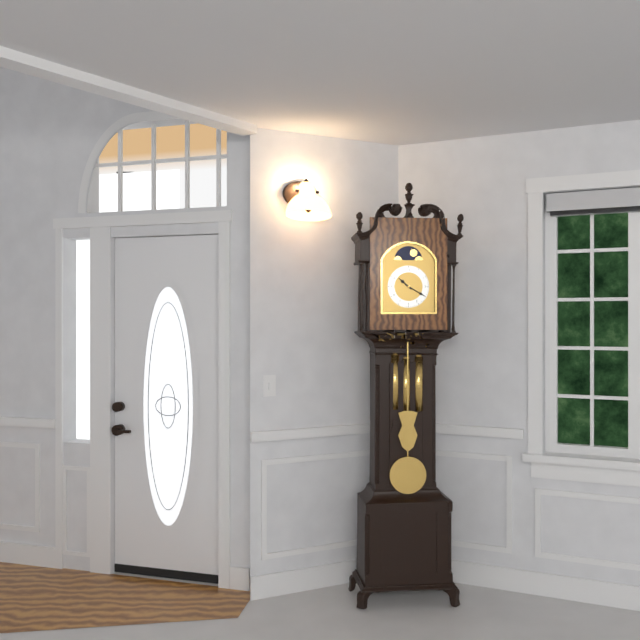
h=10 m=20
